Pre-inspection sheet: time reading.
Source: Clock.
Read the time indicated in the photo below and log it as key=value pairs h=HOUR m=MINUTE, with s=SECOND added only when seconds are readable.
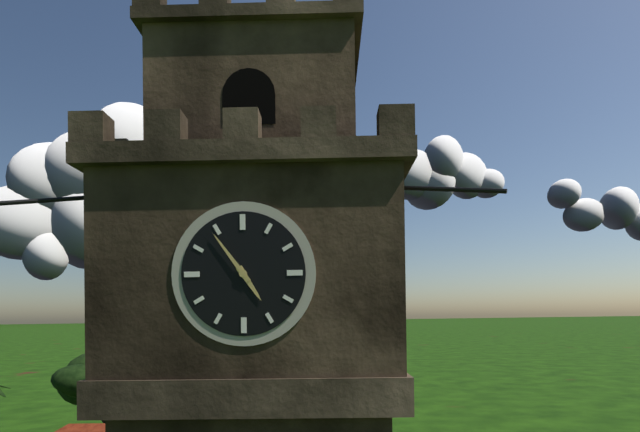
h=4 m=54
